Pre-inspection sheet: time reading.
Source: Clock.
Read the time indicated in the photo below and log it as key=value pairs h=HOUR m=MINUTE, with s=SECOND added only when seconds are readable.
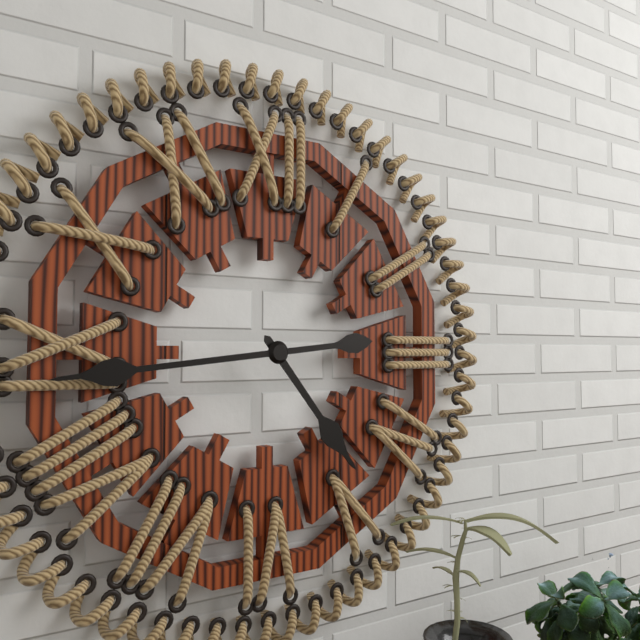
h=4 m=44
